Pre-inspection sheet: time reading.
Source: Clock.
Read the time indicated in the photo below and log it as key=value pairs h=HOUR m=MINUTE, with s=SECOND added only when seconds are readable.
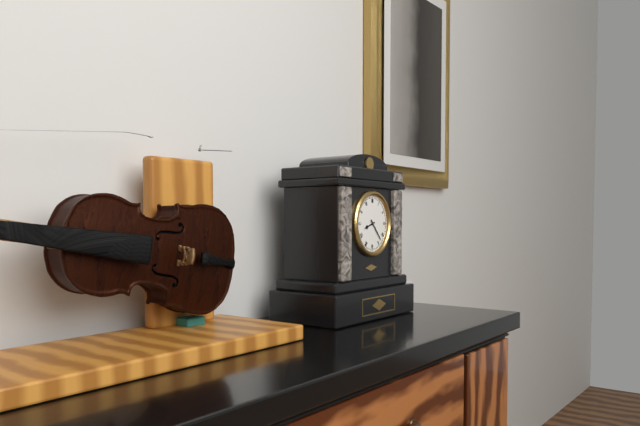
h=8 m=23
